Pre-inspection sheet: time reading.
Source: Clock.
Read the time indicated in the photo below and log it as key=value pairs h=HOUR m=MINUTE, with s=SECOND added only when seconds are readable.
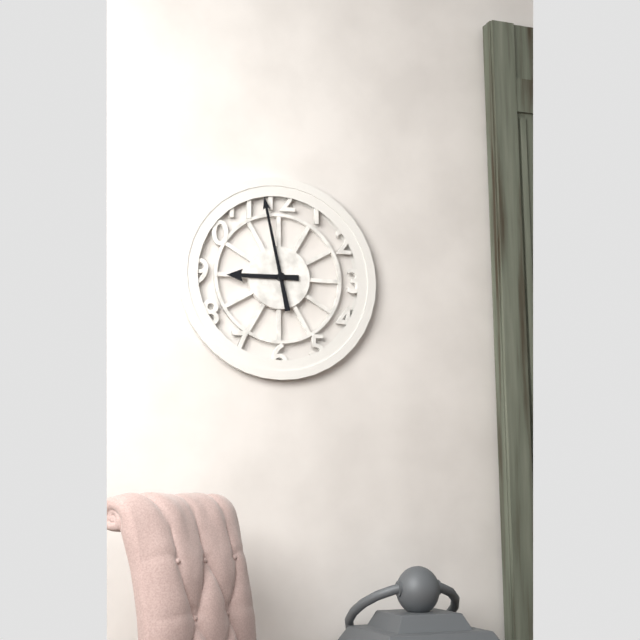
h=8 m=58
